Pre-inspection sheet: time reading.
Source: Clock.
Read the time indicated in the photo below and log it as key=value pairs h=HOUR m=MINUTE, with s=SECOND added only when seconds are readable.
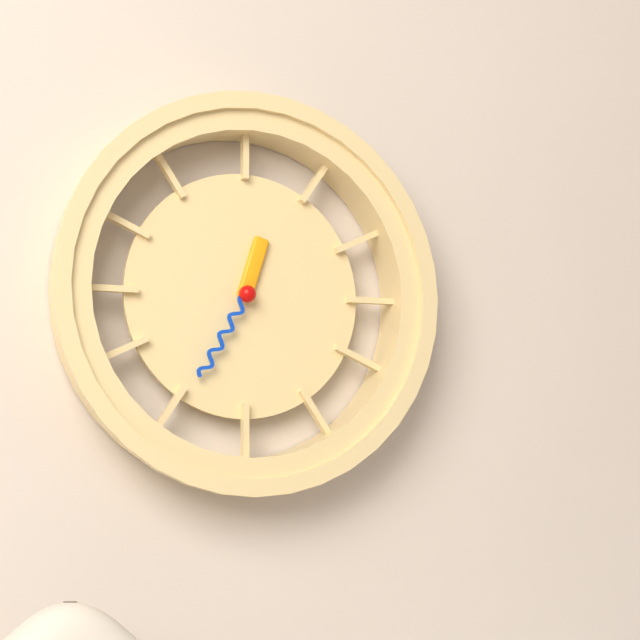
h=12 m=35
